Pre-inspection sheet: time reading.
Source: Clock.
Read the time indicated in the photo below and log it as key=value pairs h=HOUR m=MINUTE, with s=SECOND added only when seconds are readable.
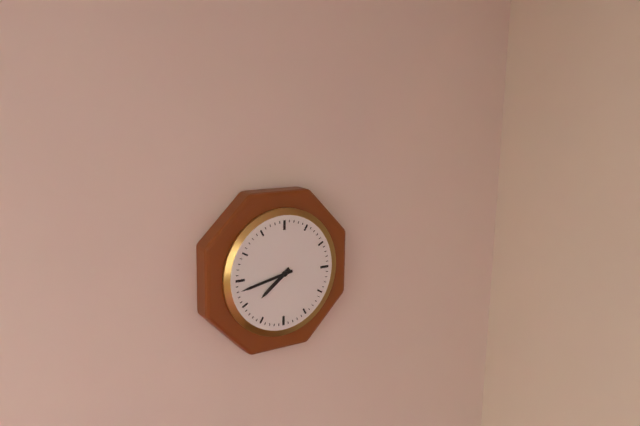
h=7 m=43
